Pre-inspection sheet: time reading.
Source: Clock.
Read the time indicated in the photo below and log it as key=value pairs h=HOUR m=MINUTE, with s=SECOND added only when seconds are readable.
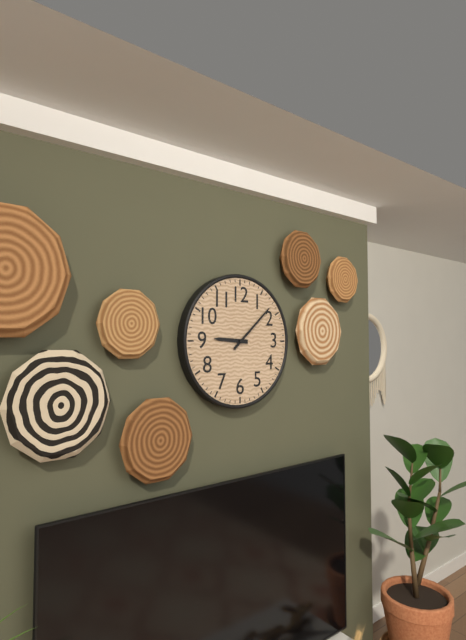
h=9 m=8
